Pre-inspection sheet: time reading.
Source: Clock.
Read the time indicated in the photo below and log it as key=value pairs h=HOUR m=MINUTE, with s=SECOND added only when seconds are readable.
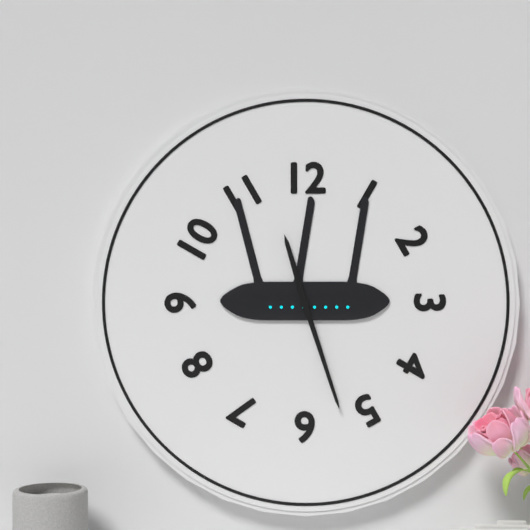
h=11 m=27
